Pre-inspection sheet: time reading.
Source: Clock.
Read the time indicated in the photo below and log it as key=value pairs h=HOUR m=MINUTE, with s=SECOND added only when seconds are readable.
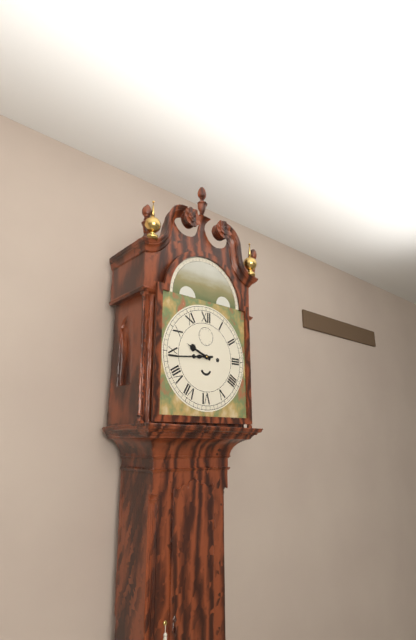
h=9 m=44
